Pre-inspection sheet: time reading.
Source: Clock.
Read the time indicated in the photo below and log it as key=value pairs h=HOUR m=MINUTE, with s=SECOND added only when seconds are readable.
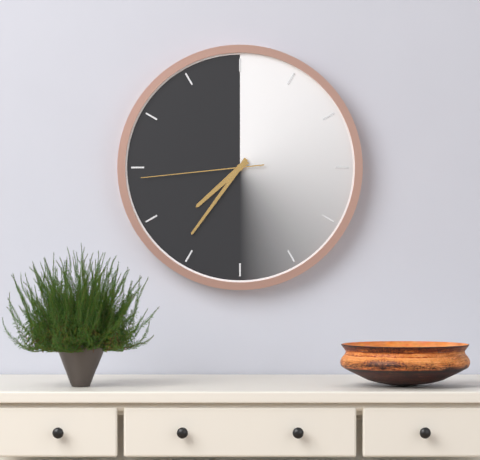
h=7 m=36 s=44
